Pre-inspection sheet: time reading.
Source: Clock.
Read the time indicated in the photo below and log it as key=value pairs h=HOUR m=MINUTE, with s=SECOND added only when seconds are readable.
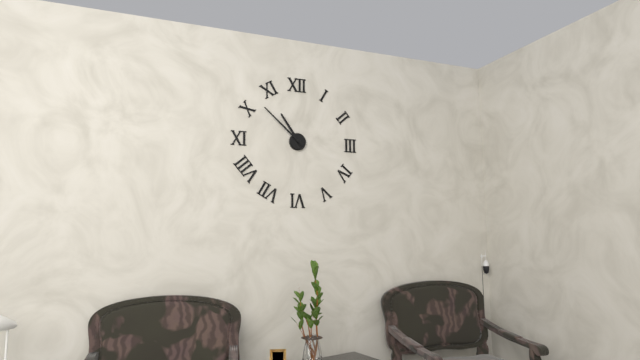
h=10 m=52
